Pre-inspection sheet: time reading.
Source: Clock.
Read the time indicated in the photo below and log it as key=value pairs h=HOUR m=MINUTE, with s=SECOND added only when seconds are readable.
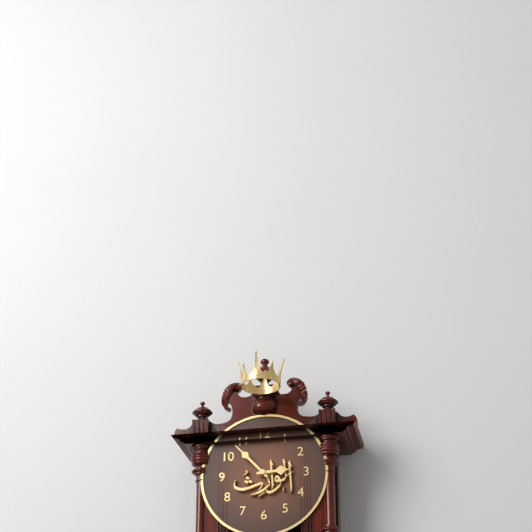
h=2 m=53
